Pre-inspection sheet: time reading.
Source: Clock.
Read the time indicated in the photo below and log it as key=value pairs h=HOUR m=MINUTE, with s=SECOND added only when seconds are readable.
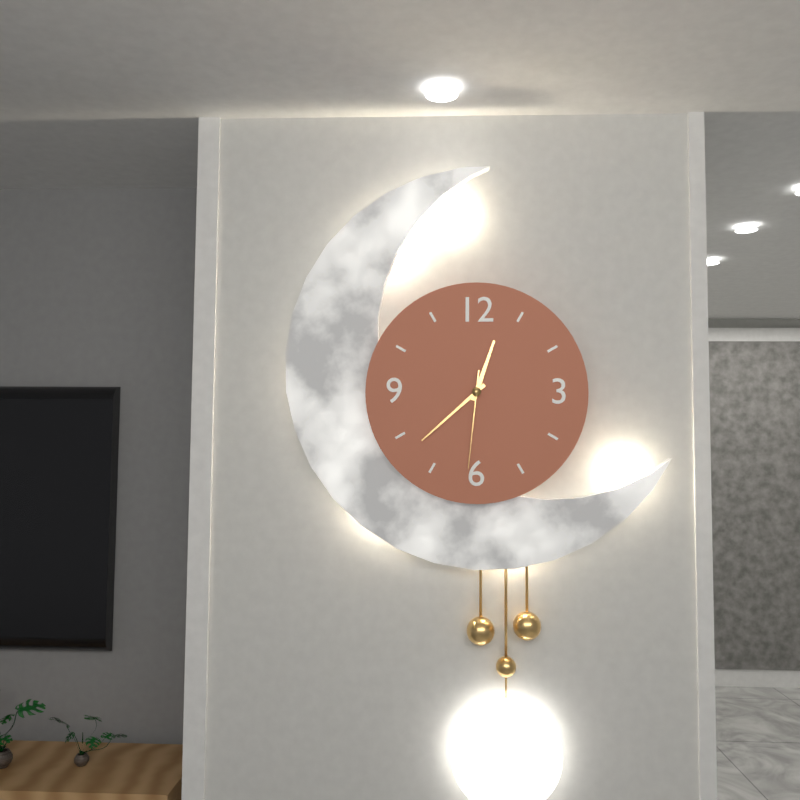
h=12 m=38 s=31
